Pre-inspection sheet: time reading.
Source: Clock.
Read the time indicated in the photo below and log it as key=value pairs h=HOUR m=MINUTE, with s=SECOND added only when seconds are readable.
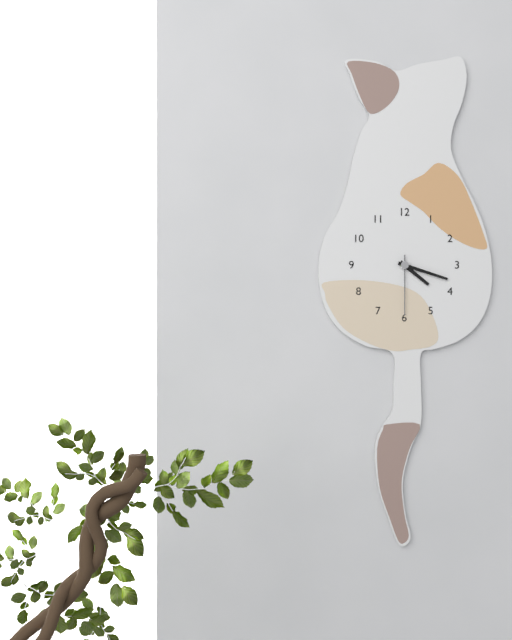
h=4 m=18 s=30
